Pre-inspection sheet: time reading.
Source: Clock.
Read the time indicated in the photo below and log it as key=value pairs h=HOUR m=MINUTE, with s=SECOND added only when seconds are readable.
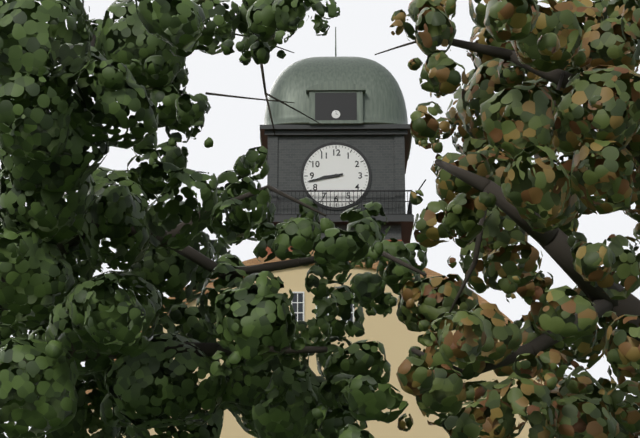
h=8 m=43
